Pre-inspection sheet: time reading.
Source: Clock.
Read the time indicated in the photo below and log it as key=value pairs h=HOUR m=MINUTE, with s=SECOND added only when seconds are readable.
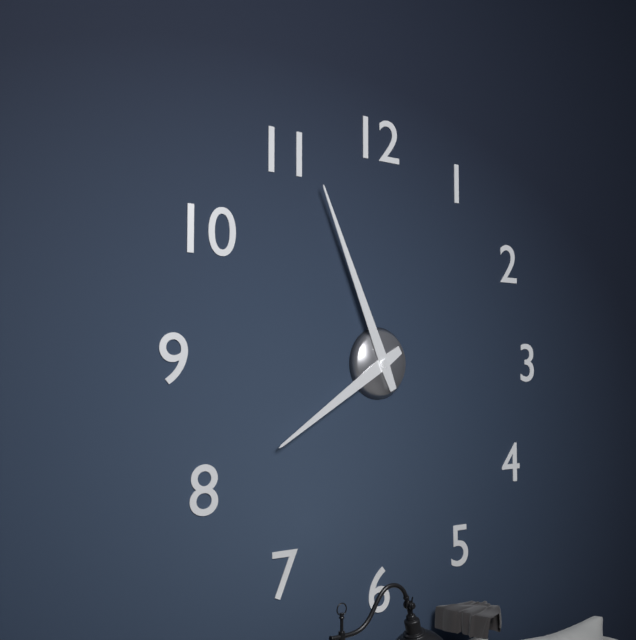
h=7 m=56
